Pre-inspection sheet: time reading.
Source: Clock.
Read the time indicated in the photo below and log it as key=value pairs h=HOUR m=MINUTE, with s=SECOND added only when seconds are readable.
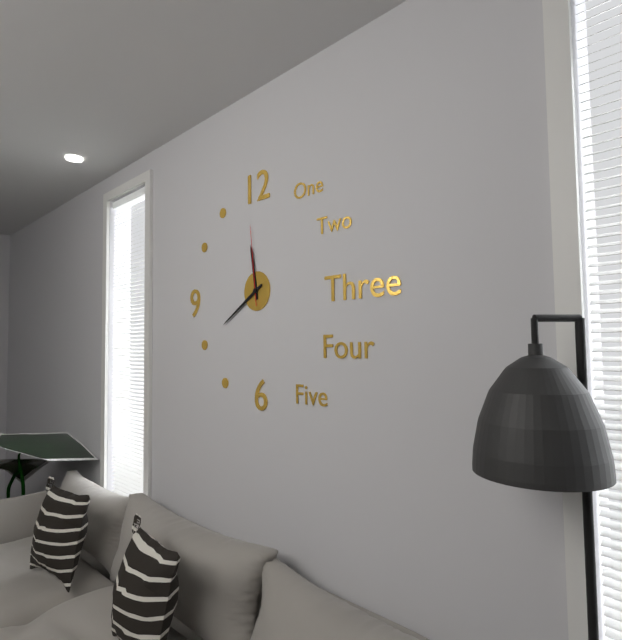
h=11 m=40 s=59
